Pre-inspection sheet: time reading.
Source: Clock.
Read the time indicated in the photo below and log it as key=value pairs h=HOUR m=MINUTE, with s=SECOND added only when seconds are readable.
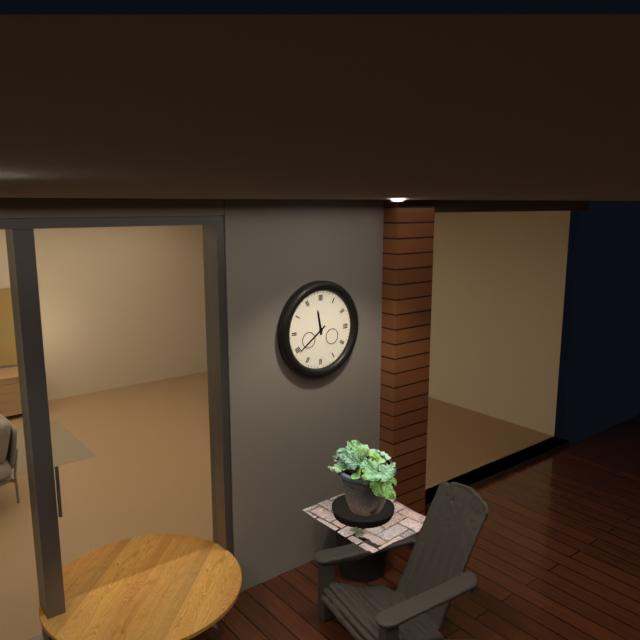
h=11 m=39
